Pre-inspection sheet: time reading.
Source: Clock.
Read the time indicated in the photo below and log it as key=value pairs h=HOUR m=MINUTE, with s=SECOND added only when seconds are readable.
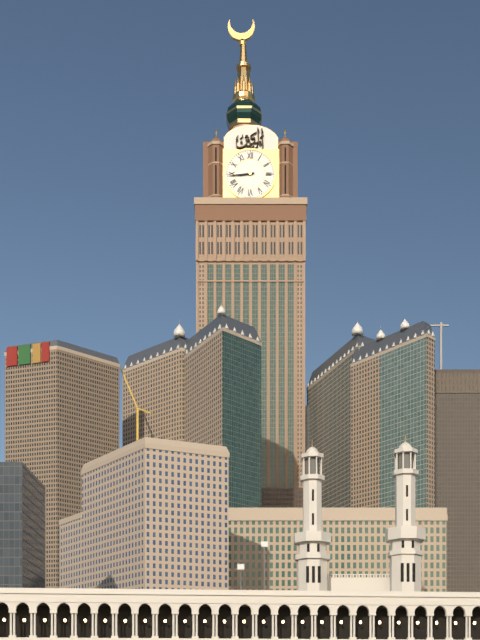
h=8 m=44
